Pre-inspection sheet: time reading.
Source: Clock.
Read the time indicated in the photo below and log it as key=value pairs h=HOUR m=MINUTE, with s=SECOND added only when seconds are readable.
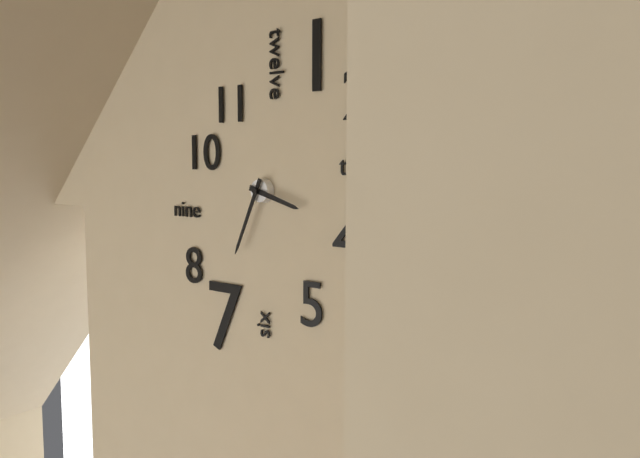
h=3 m=34
